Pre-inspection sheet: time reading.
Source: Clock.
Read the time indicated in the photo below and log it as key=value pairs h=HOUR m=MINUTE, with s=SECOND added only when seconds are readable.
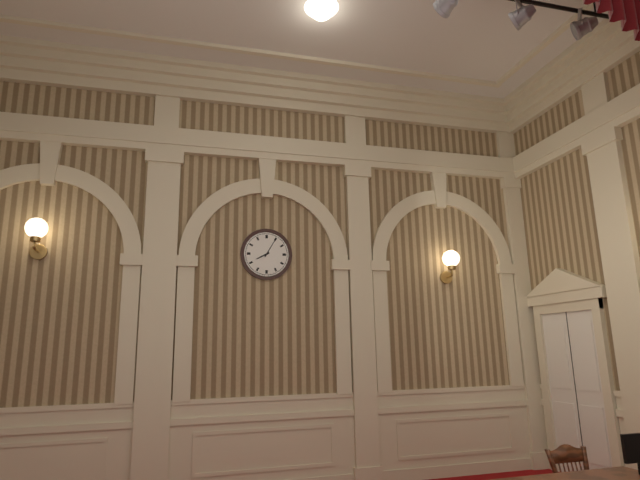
h=8 m=5
